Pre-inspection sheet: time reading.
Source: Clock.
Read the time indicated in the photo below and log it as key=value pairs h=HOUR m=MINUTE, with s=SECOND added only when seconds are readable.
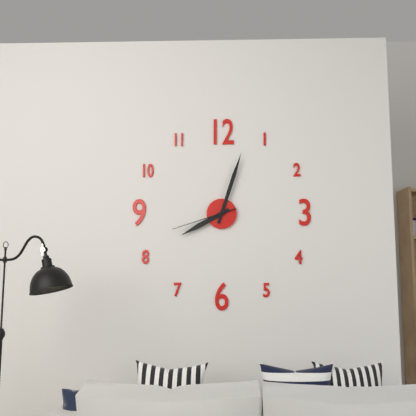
h=8 m=3 s=42
